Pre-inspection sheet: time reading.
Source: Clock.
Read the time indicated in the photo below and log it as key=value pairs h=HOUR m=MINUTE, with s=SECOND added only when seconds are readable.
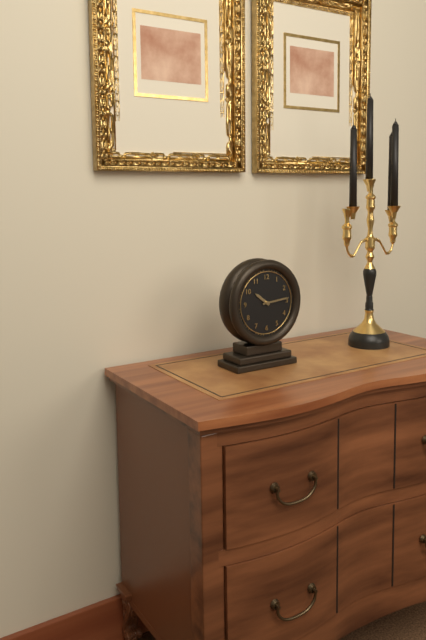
h=10 m=14
